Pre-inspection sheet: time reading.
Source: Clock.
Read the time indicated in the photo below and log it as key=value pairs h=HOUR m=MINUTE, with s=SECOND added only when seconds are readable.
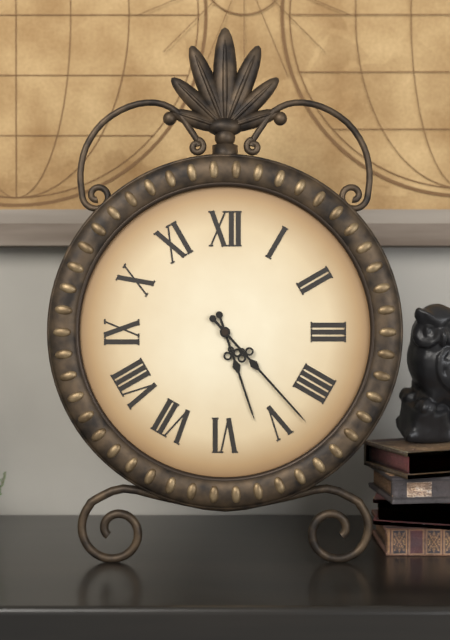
h=5 m=23
